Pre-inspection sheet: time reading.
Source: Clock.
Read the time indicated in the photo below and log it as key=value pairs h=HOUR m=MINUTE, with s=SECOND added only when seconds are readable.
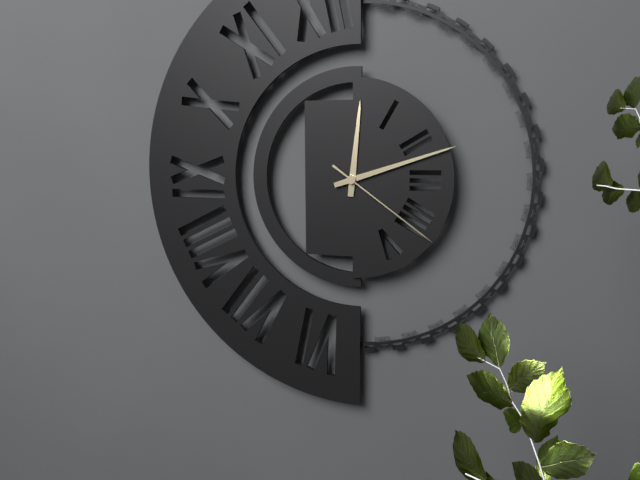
h=12 m=12 s=21
